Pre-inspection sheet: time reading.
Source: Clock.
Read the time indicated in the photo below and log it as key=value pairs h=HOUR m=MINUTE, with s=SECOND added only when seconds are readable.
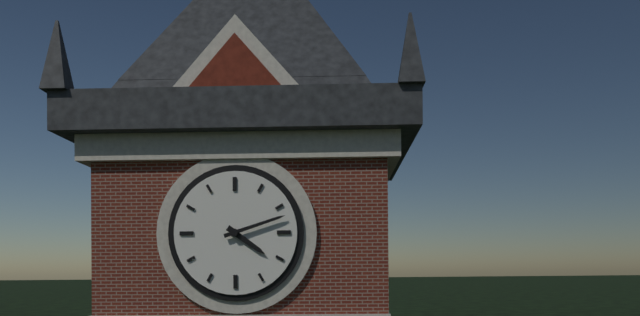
h=4 m=12
